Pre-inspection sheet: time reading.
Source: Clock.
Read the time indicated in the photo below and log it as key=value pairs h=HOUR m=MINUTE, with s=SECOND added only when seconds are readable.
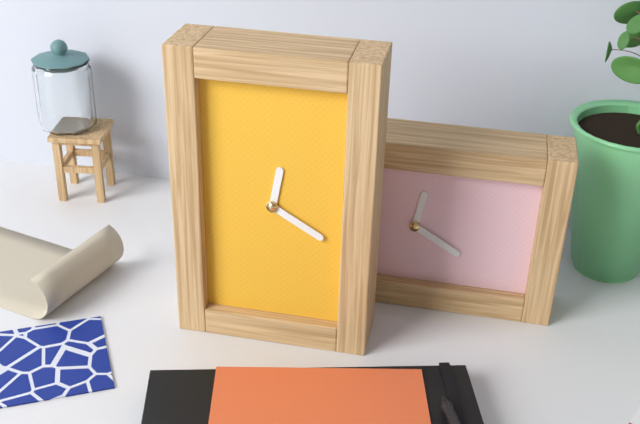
h=12 m=20
